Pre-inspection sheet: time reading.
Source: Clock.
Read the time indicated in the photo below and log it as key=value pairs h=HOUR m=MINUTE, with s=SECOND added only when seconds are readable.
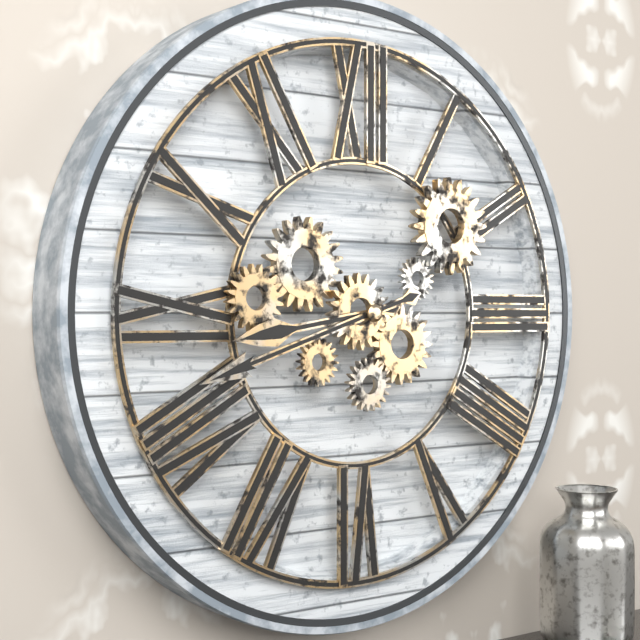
h=8 m=42
